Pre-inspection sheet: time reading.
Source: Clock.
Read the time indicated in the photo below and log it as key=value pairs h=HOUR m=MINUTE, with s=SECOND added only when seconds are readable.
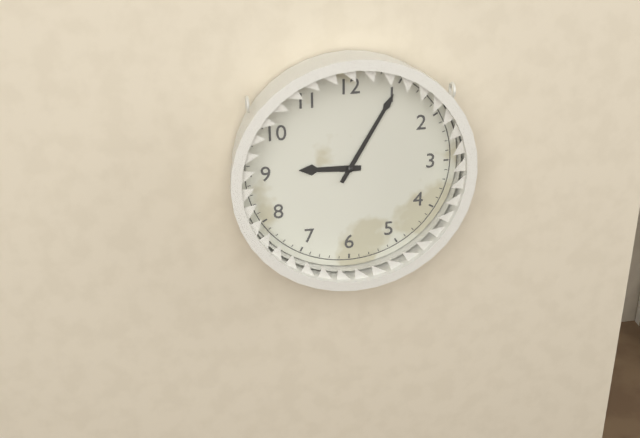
h=9 m=5
